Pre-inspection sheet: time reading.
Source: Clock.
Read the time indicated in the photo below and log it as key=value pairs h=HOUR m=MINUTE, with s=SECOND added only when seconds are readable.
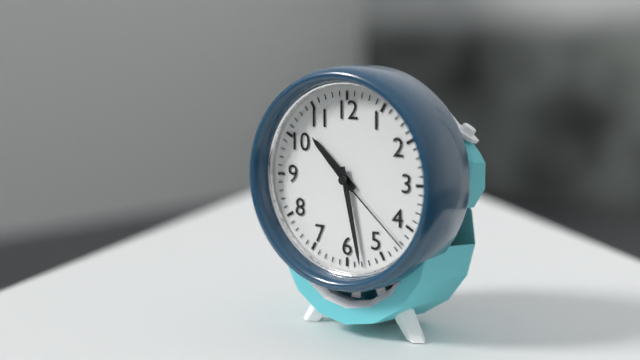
h=10 m=28 s=22
